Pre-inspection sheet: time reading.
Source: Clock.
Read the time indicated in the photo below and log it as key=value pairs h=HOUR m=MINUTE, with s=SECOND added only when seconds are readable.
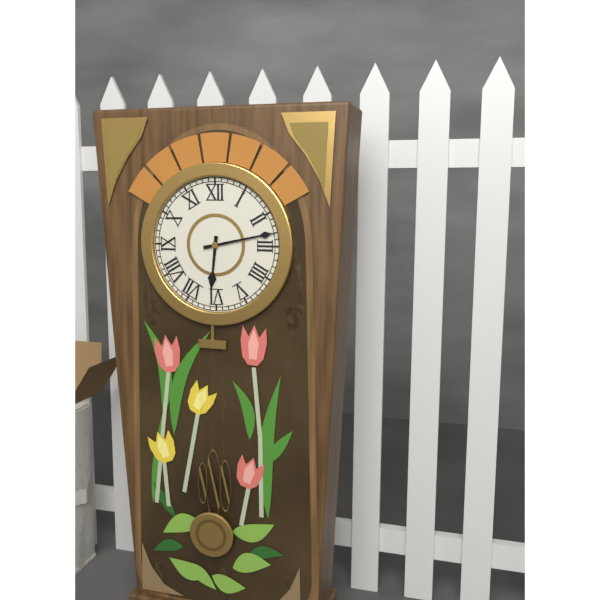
h=6 m=13
